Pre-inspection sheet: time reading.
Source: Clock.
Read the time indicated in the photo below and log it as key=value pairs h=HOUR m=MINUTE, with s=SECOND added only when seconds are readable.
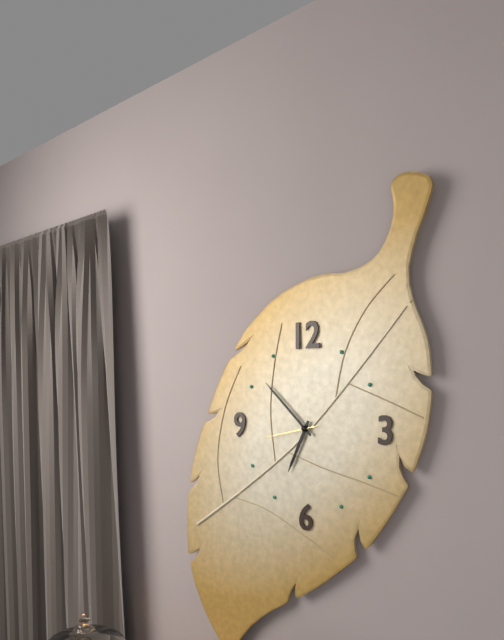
h=6 m=52
